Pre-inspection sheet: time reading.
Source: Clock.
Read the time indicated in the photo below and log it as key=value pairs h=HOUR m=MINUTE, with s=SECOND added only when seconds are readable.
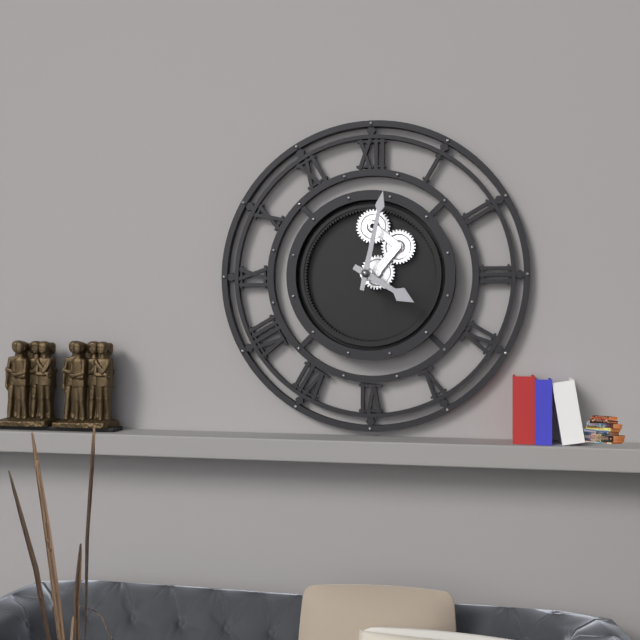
h=4 m=2
